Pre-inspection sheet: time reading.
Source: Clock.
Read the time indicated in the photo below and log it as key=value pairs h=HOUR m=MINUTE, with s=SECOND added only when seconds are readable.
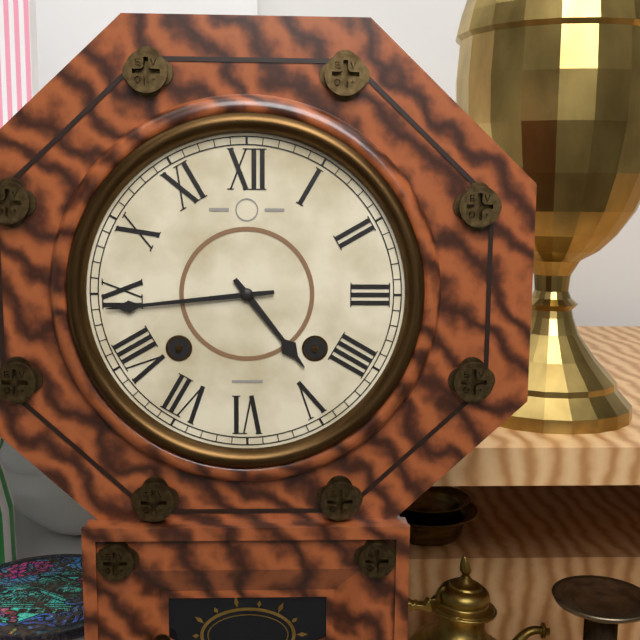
h=4 m=44
